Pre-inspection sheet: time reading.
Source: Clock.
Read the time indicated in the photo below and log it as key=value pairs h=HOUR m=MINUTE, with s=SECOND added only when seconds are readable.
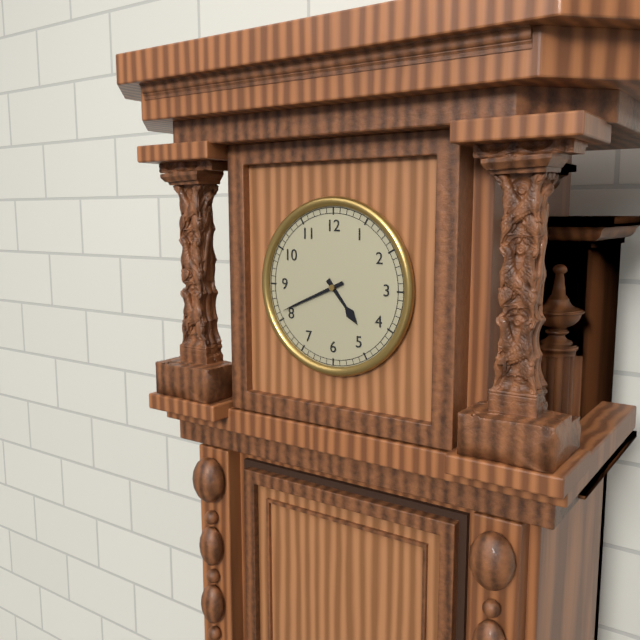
h=4 m=41
